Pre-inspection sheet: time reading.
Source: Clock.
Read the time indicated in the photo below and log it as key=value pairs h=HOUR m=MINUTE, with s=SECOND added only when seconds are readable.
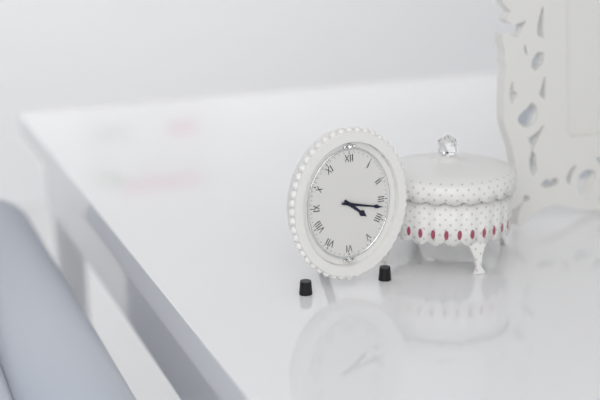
h=4 m=17
